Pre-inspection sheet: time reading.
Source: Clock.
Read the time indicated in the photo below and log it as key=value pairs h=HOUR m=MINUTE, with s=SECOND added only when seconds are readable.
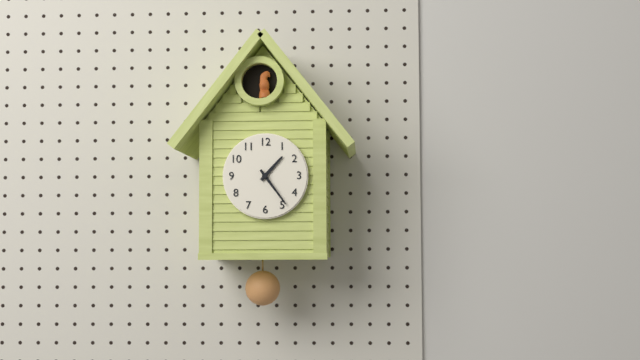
h=1 m=24
